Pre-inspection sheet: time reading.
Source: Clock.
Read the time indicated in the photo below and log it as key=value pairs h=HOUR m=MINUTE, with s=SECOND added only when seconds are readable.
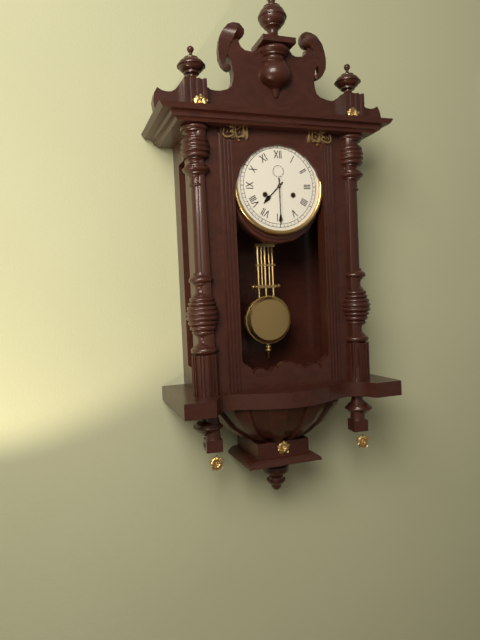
h=7 m=30
